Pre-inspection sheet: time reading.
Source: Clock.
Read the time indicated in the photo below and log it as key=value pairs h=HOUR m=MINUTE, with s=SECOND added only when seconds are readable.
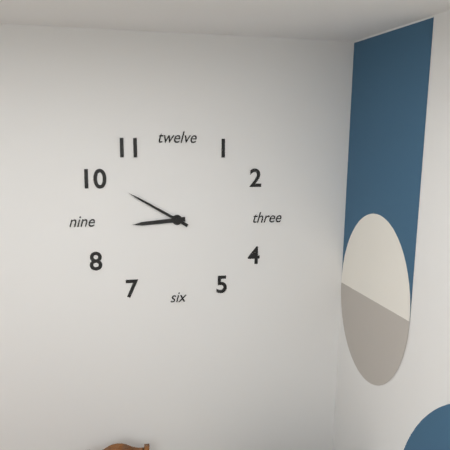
h=8 m=50
